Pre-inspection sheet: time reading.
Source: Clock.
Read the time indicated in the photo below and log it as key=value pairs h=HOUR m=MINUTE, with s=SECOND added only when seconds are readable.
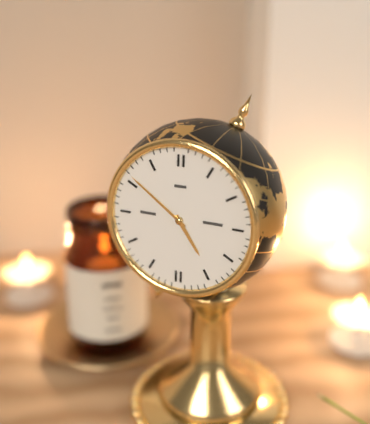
h=4 m=51
